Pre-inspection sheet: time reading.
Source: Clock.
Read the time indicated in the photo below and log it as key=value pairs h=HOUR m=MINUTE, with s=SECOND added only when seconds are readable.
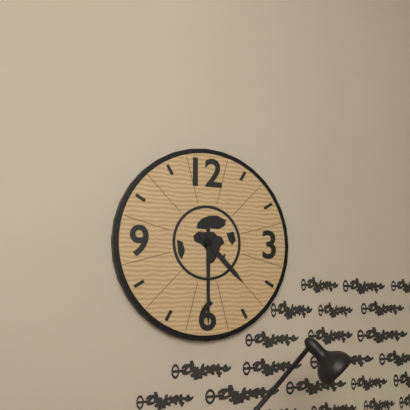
h=4 m=30
